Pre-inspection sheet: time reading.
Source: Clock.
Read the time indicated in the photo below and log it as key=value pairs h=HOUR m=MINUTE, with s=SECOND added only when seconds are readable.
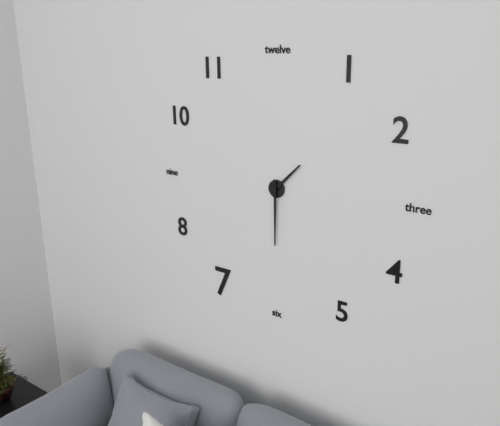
h=1 m=30
